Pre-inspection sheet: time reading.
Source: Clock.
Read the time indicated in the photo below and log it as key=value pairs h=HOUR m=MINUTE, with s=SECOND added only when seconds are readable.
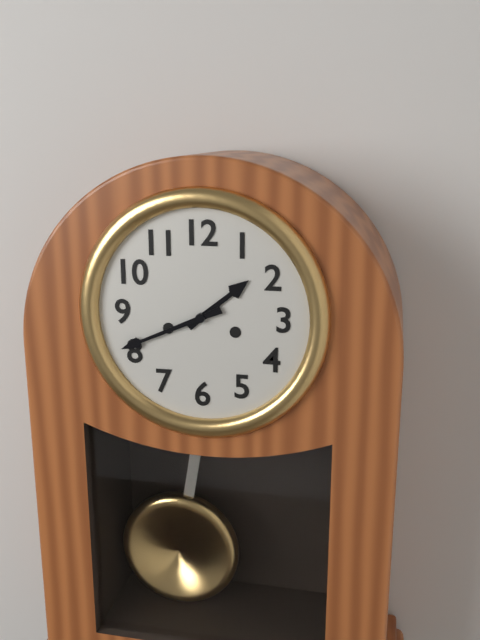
h=1 m=41
